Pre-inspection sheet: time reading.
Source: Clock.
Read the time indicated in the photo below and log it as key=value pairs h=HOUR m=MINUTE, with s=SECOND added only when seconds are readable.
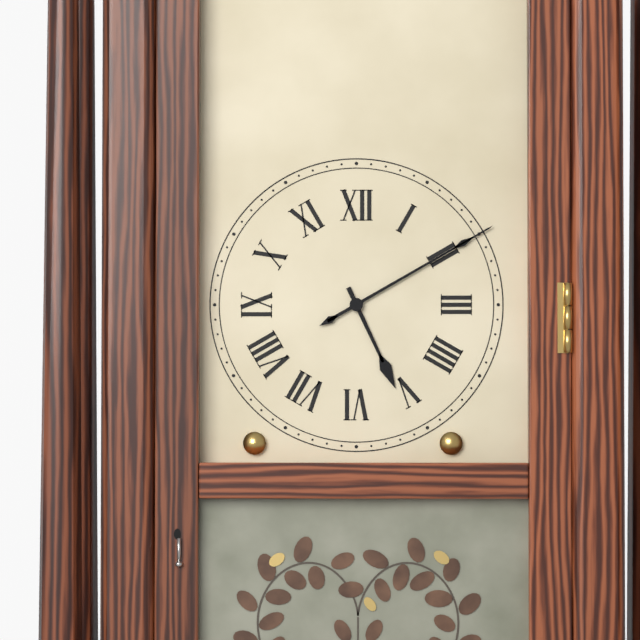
h=5 m=10
